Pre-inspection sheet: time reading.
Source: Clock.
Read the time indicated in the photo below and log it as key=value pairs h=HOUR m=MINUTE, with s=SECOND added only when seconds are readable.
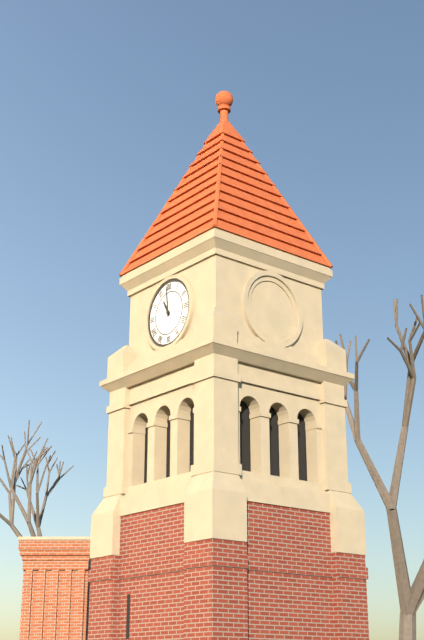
h=10 m=59
